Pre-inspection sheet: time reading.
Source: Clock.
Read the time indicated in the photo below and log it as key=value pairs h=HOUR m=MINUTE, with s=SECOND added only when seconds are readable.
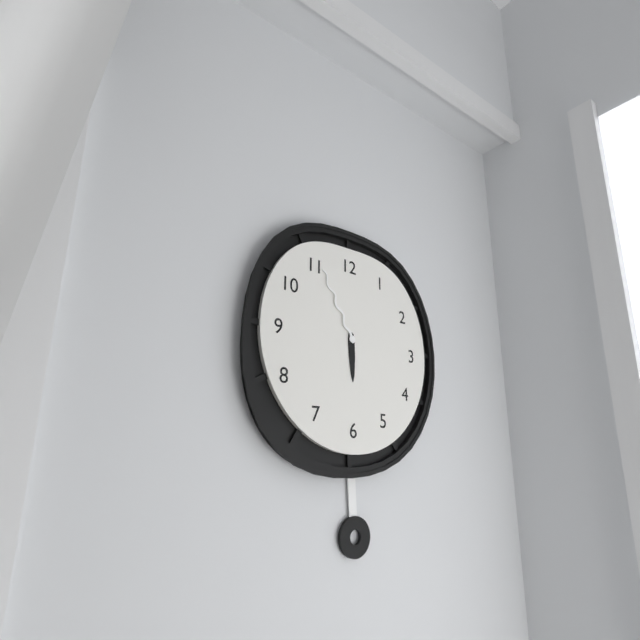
h=5 m=55
